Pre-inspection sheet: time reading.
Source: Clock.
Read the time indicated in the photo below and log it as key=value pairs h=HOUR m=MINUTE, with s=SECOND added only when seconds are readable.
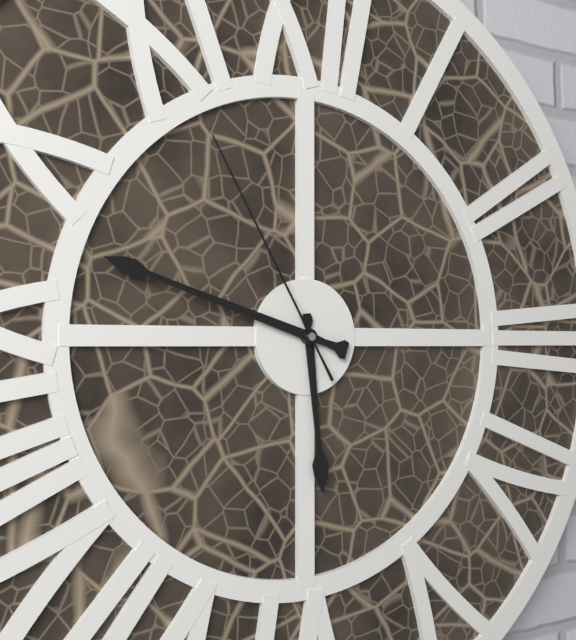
h=5 m=48 s=55
